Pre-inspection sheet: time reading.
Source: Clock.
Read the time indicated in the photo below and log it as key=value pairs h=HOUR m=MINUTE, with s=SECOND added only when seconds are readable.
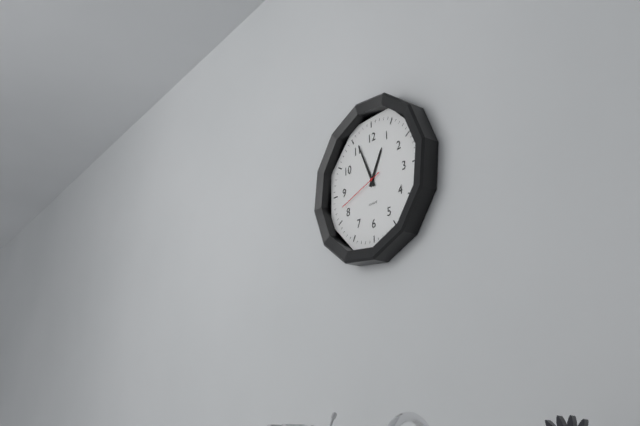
h=12 m=56
